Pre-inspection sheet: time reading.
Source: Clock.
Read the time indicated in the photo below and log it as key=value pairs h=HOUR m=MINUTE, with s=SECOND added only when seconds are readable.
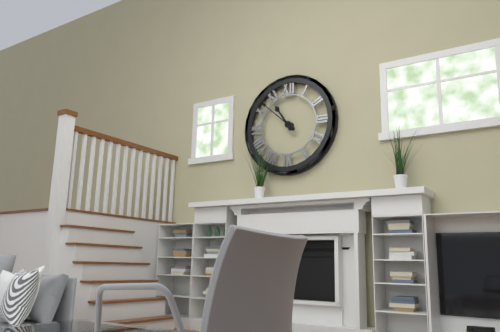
h=10 m=52
